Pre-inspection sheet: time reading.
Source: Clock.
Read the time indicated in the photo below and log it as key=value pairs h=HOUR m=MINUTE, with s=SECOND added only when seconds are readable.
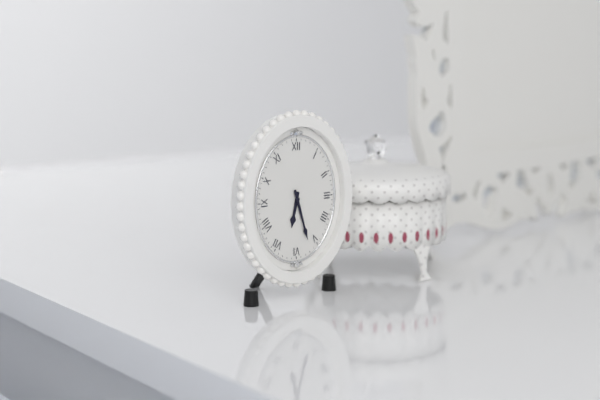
h=6 m=27
